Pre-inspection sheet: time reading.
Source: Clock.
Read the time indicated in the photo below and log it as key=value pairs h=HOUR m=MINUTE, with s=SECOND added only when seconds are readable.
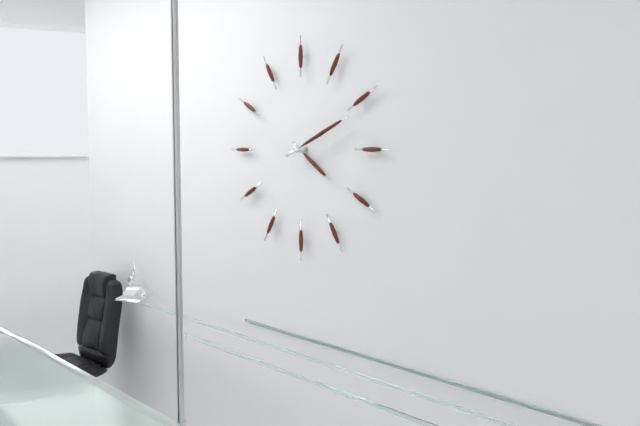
h=4 m=11
